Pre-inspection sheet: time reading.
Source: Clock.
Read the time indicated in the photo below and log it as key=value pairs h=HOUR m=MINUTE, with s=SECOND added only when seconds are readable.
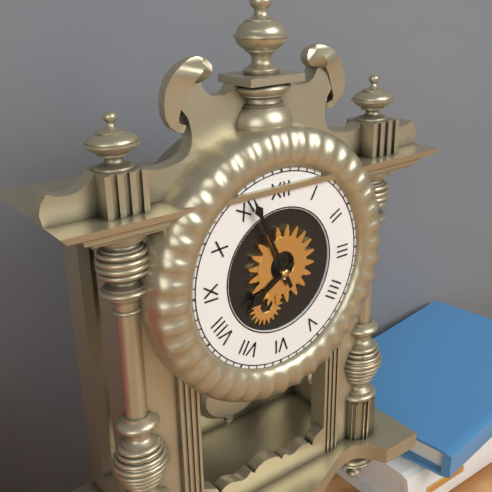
h=7 m=56
